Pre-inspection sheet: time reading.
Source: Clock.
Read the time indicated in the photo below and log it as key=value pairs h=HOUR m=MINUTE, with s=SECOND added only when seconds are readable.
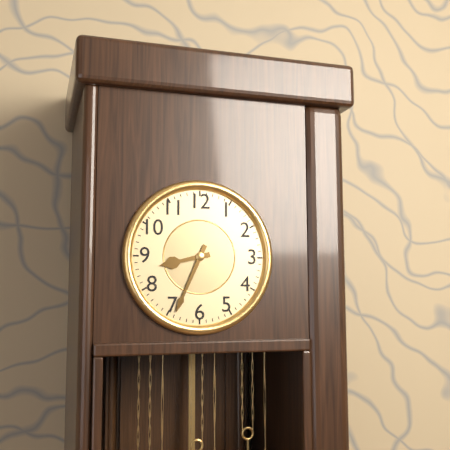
h=8 m=34
